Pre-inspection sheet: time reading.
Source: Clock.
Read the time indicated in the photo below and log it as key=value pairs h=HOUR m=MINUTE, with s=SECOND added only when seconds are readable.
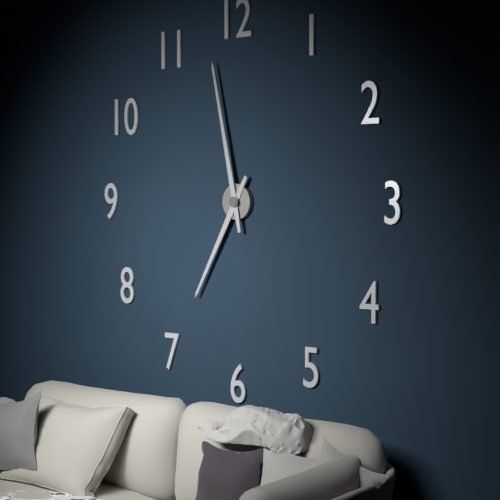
h=6 m=58
